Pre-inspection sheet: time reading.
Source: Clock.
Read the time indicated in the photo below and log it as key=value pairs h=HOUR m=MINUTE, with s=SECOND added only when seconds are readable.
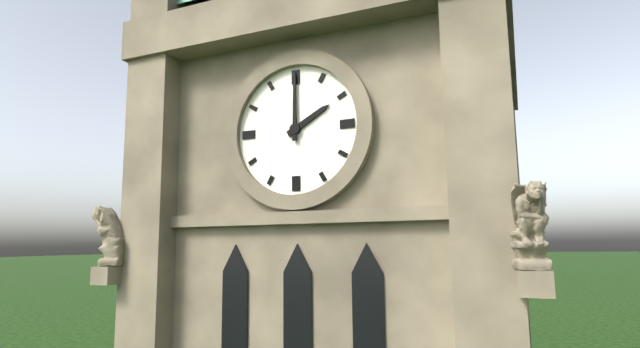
h=2 m=0
